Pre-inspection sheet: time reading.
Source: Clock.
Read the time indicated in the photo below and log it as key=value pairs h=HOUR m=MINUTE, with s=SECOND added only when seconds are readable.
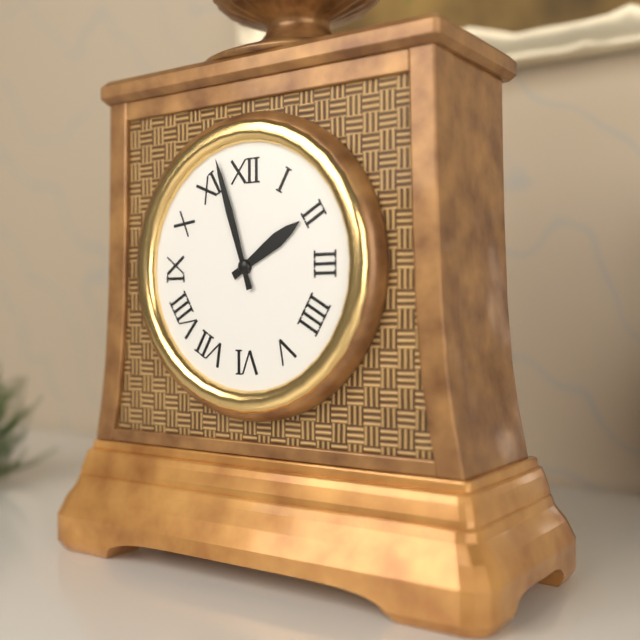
h=1 m=57
